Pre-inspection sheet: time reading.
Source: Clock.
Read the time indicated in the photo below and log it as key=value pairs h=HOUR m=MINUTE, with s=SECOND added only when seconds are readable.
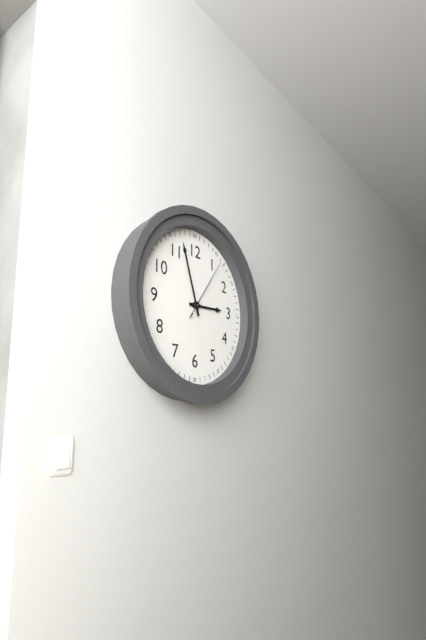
h=2 m=57 s=6
